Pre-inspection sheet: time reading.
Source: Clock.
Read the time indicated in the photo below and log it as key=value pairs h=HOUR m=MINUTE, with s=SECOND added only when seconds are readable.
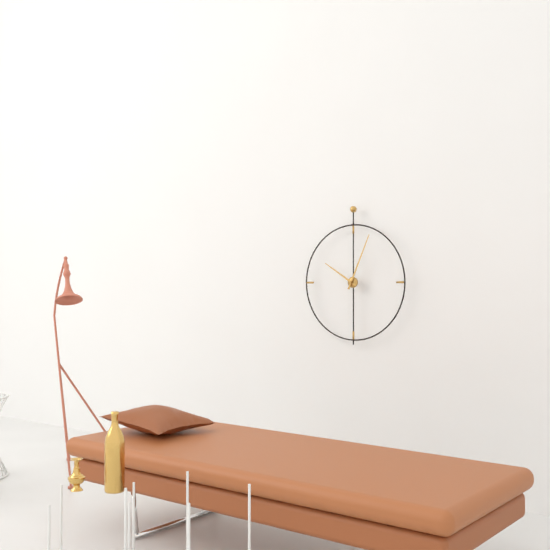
h=10 m=4
